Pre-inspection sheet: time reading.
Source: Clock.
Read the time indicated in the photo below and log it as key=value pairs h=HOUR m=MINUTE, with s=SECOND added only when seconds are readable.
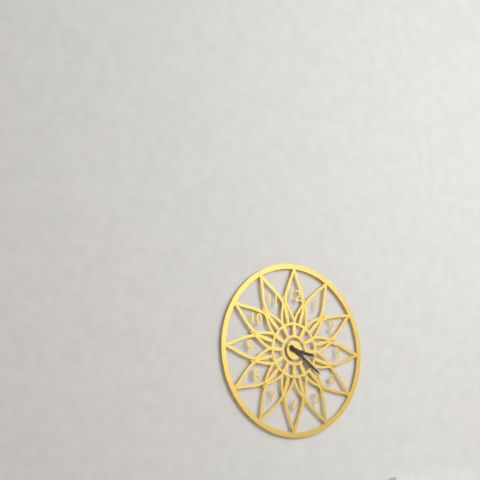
h=3 m=21
